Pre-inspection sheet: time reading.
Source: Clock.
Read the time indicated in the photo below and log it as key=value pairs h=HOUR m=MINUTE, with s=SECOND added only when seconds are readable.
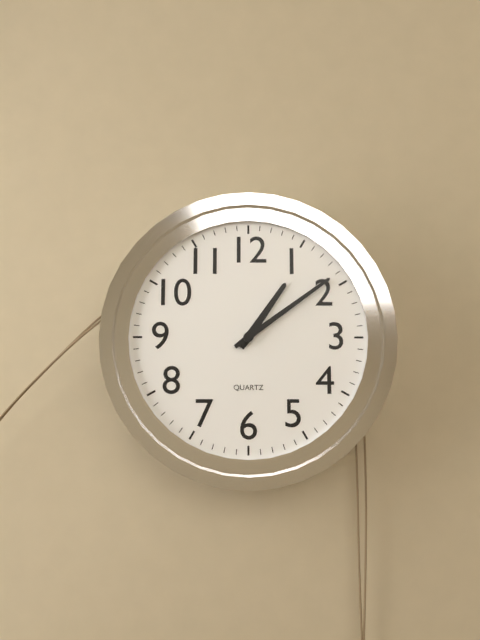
h=1 m=9
